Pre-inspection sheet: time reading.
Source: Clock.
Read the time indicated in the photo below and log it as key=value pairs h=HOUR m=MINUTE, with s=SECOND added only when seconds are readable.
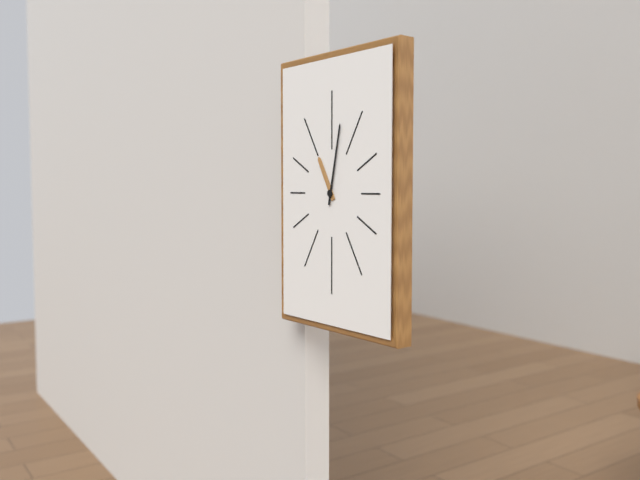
h=11 m=2
